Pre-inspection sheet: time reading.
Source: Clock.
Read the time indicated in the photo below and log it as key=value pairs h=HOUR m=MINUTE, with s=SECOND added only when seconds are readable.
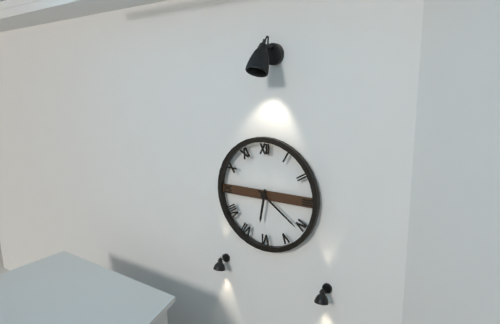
h=6 m=21
